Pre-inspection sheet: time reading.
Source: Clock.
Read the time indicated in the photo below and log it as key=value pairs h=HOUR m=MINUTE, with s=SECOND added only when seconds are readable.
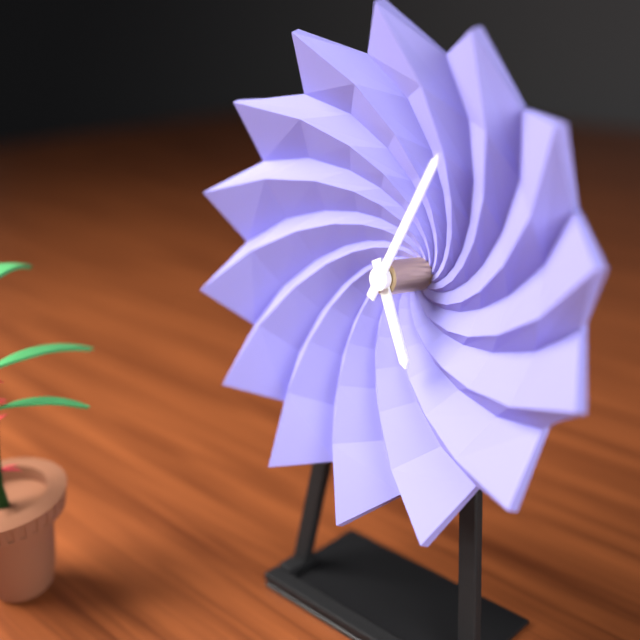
h=5 m=4
